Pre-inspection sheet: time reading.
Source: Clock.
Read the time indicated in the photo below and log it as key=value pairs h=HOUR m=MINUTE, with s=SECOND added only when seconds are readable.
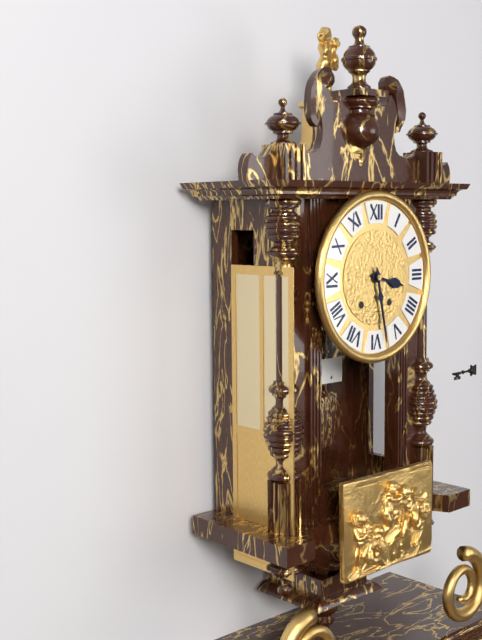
h=3 m=28
